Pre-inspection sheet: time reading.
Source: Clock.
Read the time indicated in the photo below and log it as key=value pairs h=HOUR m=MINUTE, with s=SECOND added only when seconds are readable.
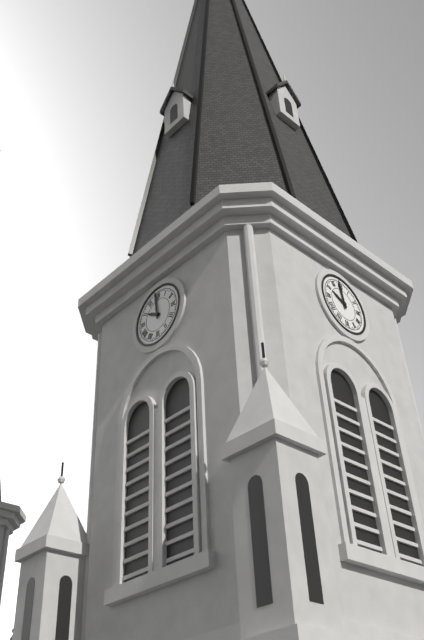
h=9 m=59
